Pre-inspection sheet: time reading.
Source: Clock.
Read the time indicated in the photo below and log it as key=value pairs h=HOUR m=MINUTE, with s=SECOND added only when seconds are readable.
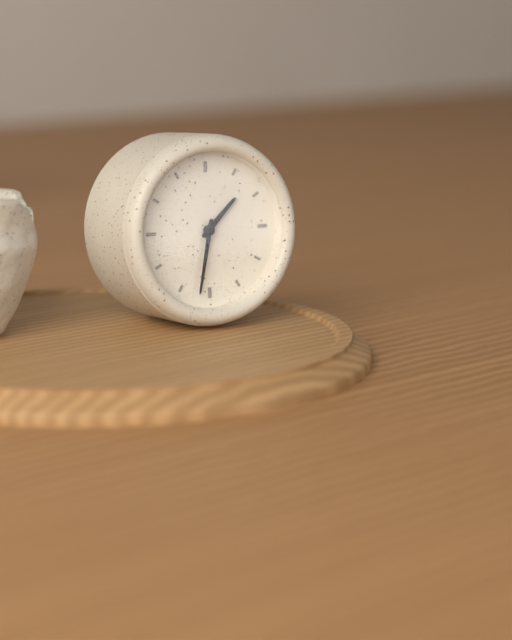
h=1 m=32
